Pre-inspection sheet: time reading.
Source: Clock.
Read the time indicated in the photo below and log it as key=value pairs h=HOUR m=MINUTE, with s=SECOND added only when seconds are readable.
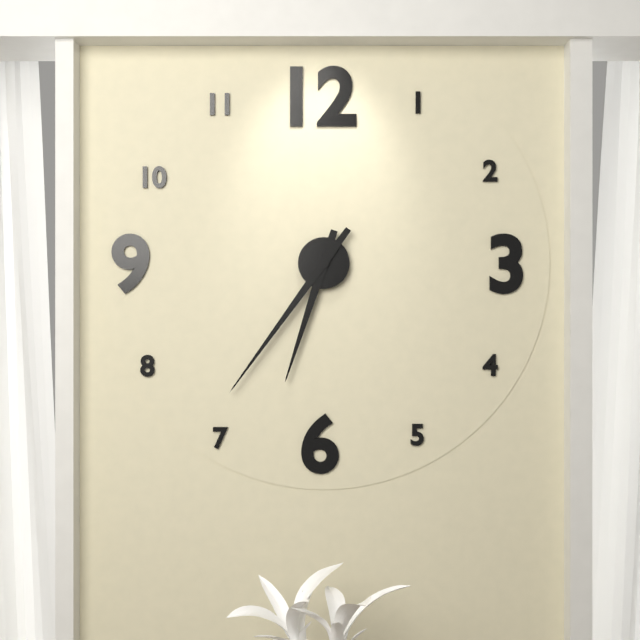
h=6 m=36
